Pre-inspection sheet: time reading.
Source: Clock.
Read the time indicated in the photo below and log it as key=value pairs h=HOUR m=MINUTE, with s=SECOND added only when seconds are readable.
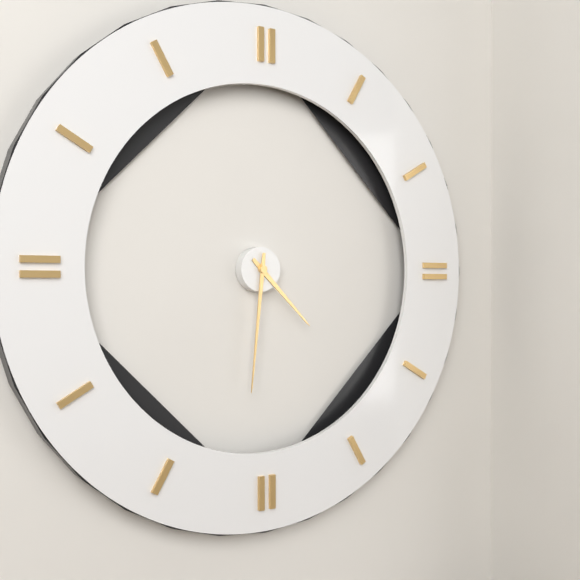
h=4 m=31
